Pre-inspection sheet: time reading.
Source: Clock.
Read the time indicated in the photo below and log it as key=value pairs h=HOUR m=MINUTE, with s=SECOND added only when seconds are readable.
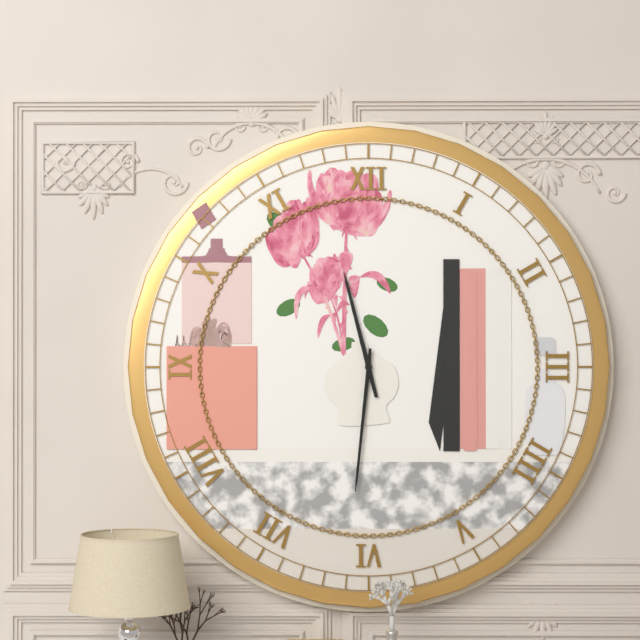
h=11 m=31
